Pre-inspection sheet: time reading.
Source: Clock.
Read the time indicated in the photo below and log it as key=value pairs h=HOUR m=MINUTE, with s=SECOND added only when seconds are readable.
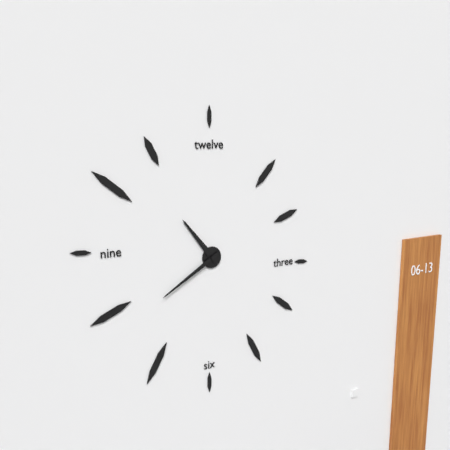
h=10 m=40
